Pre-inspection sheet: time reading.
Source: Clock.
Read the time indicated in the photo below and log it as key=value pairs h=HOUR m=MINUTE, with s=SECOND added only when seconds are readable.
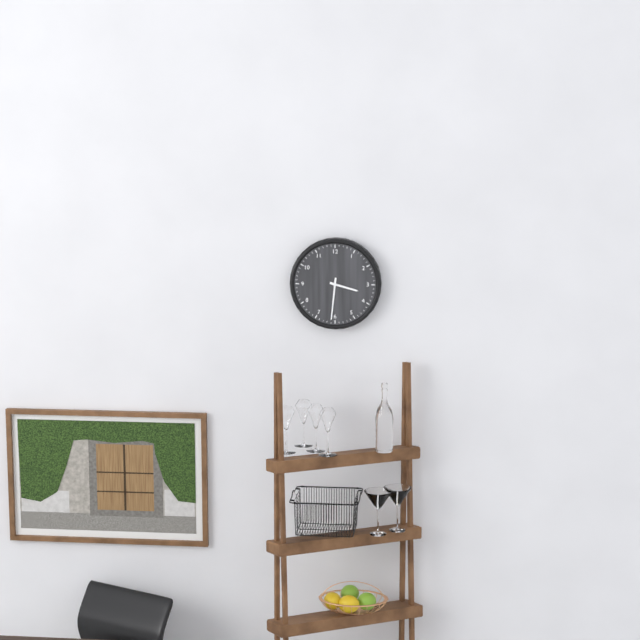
h=3 m=31
